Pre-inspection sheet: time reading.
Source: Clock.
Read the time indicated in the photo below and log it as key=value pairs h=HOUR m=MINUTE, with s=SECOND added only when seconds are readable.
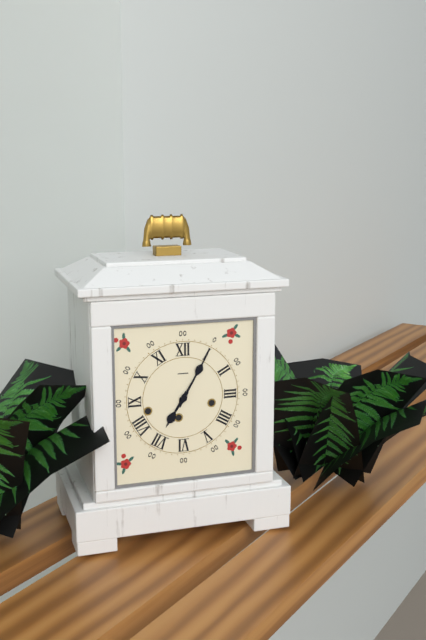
h=7 m=5
